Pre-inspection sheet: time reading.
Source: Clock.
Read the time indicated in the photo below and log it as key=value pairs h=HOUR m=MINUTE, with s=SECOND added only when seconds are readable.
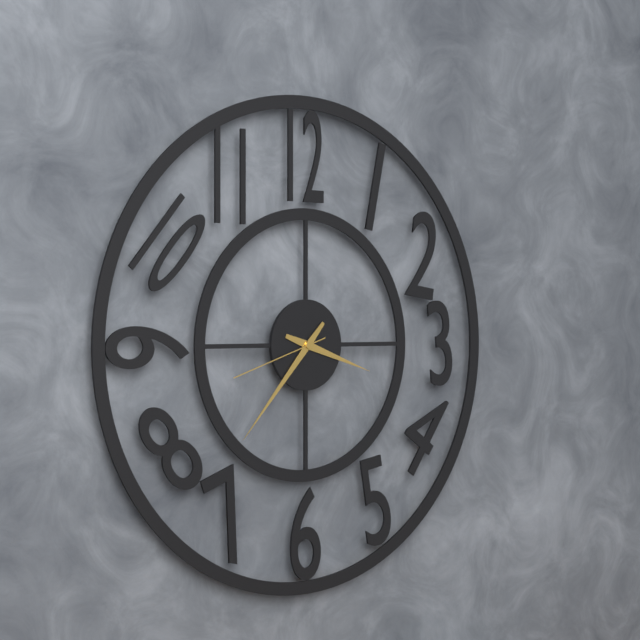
h=3 m=37 s=42
